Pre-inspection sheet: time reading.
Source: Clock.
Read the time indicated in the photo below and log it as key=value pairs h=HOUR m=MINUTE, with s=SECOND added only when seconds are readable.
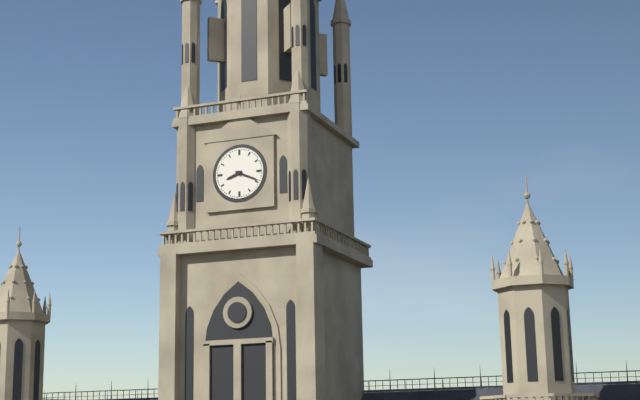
h=8 m=19
